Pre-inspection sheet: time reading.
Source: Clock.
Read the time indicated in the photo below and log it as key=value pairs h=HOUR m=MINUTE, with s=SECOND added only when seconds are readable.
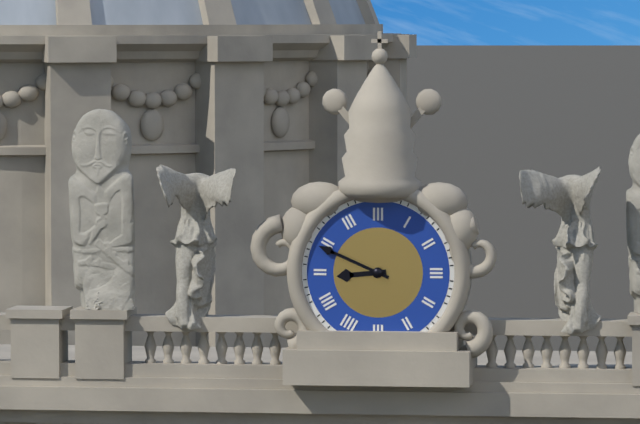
h=8 m=49
